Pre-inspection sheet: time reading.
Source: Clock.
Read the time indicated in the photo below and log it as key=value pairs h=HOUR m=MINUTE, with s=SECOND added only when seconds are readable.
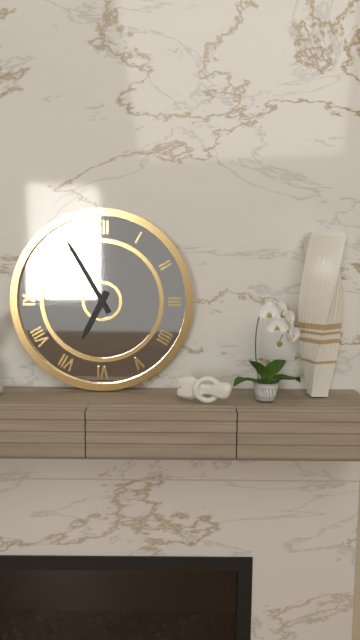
h=6 m=55
